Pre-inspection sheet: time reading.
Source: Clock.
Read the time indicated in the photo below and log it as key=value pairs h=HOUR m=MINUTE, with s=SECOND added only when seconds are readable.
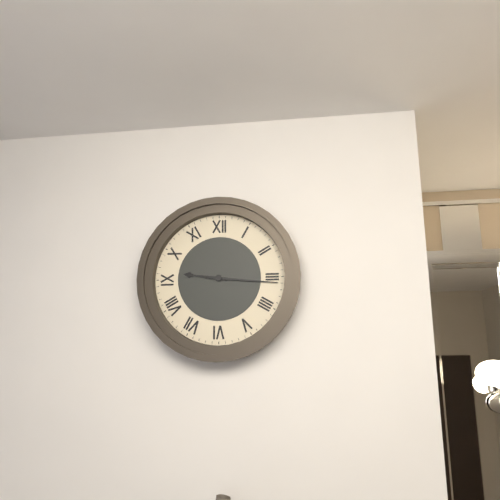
h=9 m=16
